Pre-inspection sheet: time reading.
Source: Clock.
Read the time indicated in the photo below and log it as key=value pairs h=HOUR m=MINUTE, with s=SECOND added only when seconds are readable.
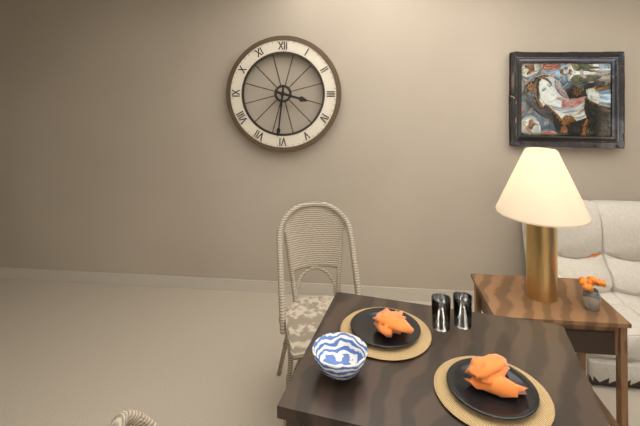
h=3 m=31
